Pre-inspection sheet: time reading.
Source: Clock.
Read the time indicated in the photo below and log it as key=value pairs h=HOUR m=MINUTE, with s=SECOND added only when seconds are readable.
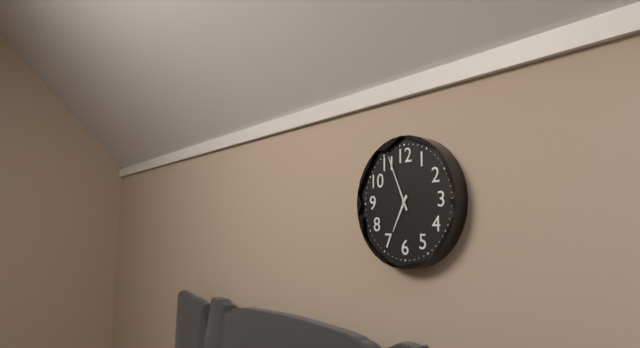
h=6 m=56
